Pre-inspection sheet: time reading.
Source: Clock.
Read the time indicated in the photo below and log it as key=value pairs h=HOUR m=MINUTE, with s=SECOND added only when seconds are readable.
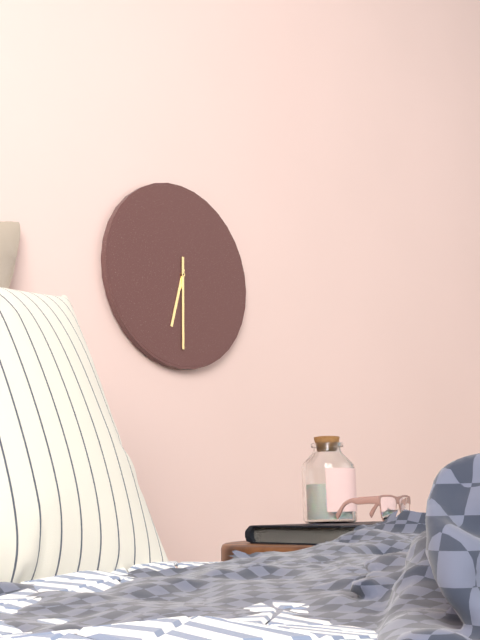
h=6 m=30
